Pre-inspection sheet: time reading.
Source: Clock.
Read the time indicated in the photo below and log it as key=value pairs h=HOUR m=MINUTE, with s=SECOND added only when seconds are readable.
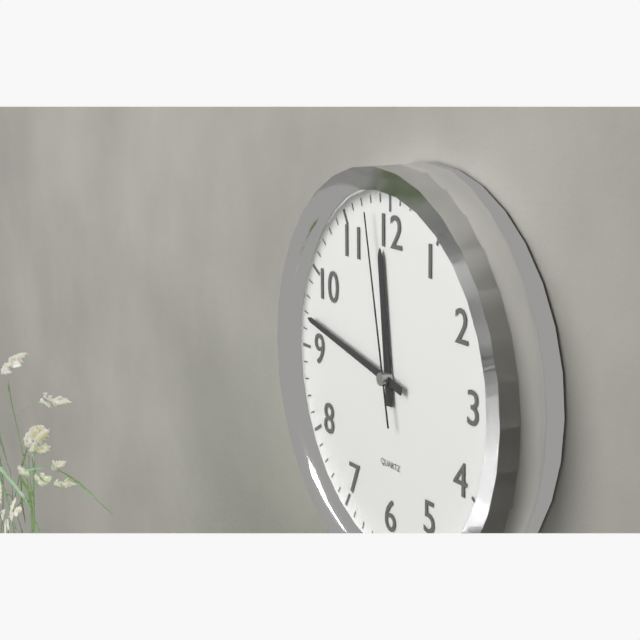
h=11 m=47 s=58
